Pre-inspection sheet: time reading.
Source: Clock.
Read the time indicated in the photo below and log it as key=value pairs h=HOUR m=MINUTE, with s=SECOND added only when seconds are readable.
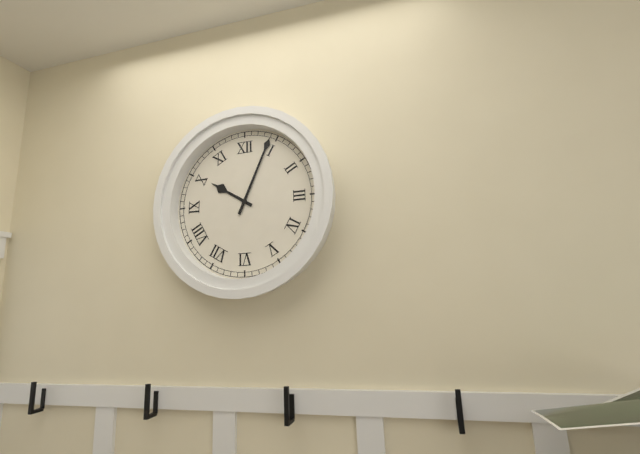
h=10 m=4
